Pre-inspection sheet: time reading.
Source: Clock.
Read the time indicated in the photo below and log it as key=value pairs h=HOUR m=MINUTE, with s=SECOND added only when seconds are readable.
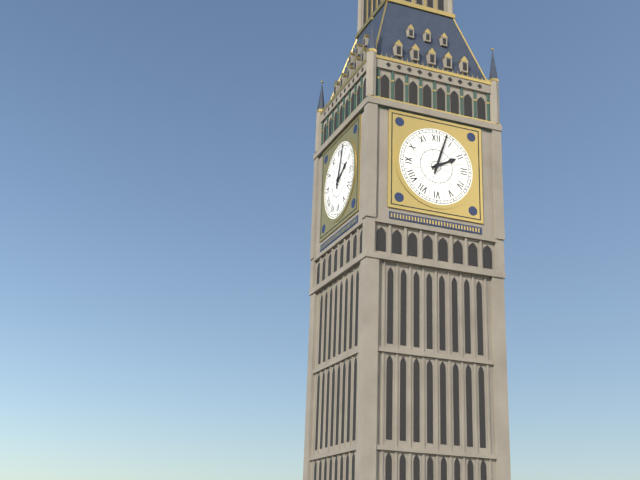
h=2 m=3
